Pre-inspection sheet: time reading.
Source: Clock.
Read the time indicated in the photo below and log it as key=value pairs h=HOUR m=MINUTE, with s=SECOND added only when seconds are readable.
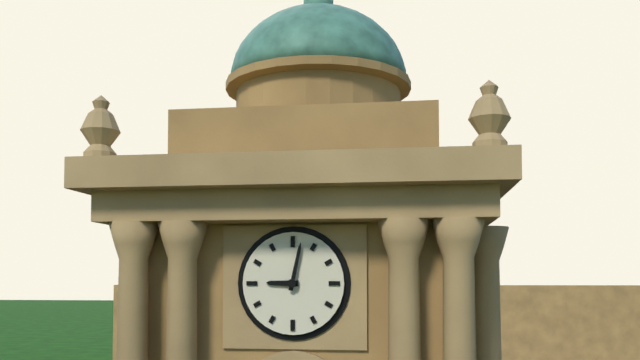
h=9 m=2
